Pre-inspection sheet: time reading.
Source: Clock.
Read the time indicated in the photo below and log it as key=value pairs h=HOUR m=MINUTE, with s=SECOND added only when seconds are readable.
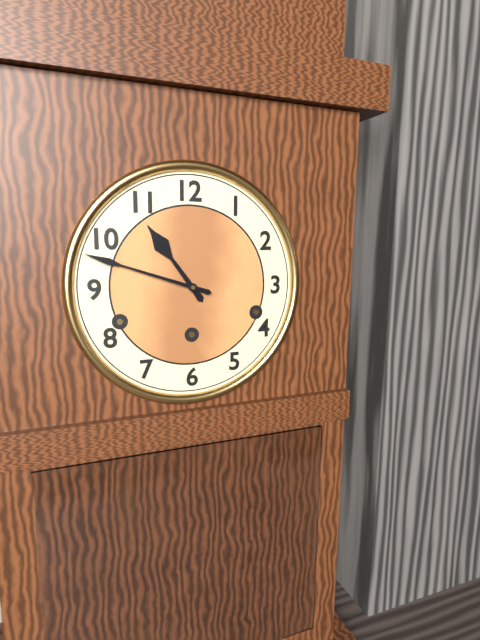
h=10 m=48
